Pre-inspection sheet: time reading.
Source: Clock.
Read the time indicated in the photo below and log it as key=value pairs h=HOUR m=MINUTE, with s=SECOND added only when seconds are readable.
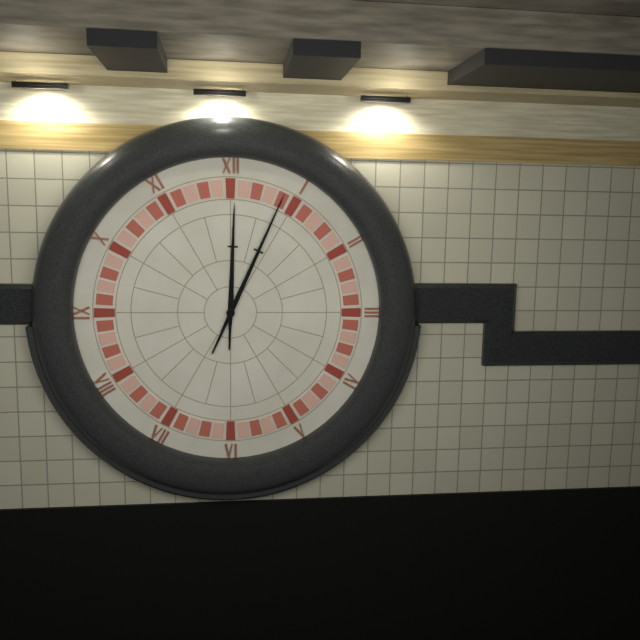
h=12 m=4
